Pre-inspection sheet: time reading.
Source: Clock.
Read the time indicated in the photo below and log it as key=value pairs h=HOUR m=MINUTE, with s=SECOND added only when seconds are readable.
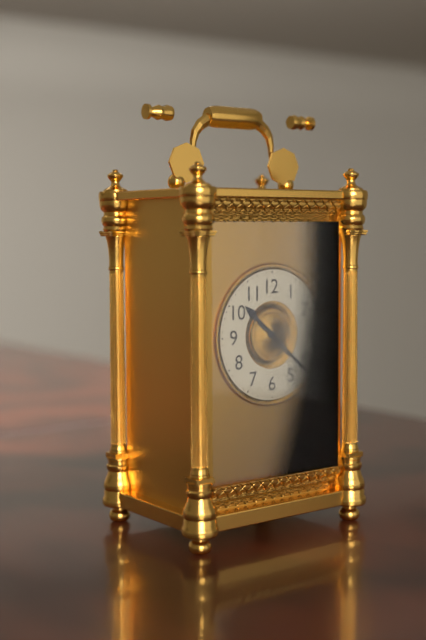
h=10 m=22
